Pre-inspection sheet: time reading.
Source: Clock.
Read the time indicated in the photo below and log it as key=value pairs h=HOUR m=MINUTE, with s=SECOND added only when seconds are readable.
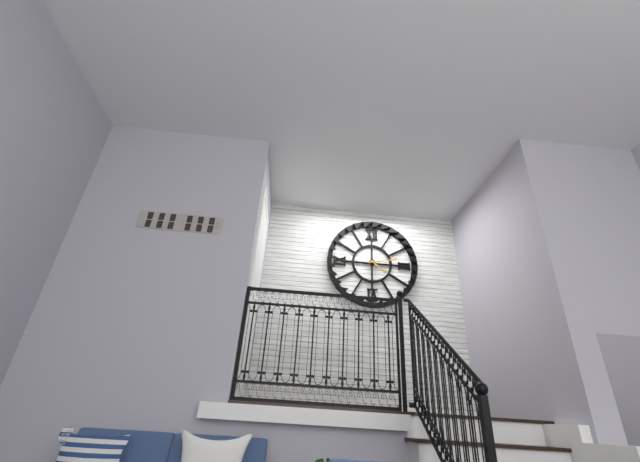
h=4 m=13
